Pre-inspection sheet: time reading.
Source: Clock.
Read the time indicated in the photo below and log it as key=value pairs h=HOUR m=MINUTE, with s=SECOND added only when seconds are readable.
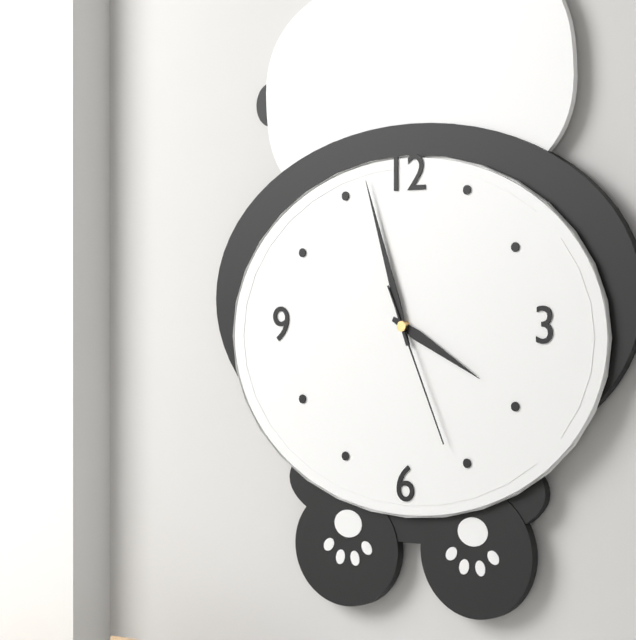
h=3 m=57 s=26
